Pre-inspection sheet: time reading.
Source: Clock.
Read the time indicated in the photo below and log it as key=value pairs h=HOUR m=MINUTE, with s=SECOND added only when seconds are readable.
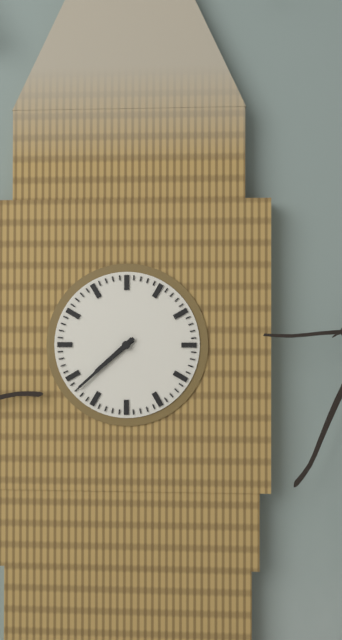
h=7 m=38
